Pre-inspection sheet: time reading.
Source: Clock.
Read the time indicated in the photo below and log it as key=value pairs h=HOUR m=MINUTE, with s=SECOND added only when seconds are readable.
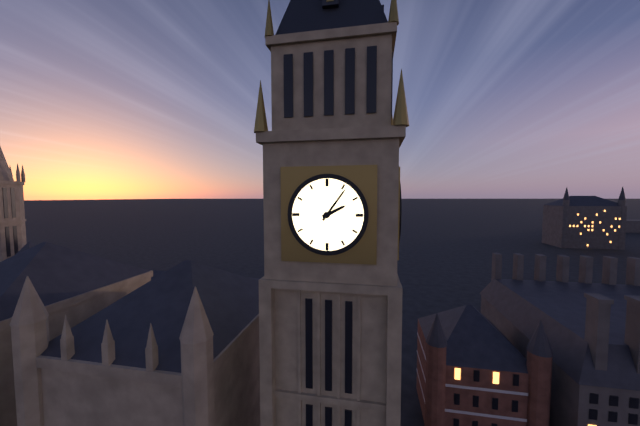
h=2 m=6
